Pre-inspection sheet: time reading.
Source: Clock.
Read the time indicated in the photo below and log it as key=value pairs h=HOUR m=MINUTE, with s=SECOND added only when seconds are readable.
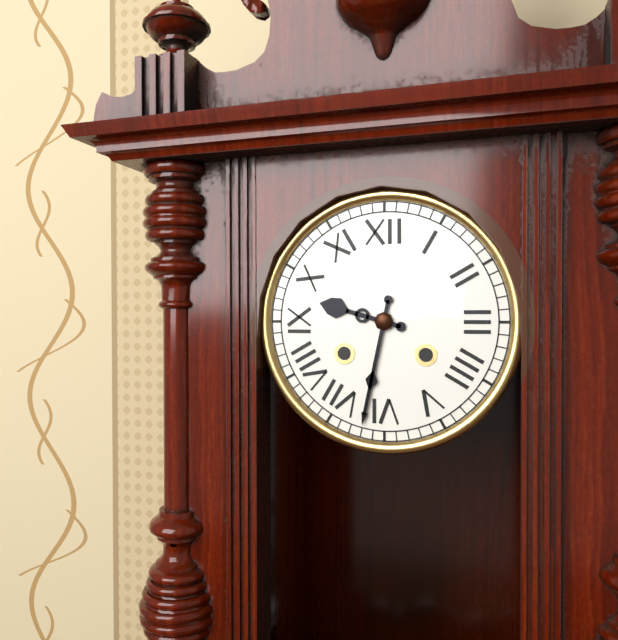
h=9 m=32
